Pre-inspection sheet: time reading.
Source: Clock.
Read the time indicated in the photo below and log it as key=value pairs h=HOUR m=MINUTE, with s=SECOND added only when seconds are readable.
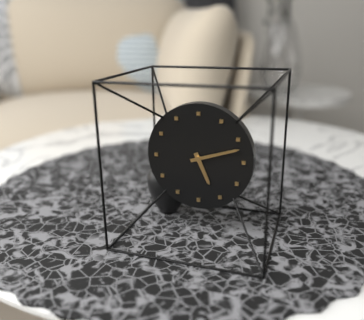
h=5 m=12
